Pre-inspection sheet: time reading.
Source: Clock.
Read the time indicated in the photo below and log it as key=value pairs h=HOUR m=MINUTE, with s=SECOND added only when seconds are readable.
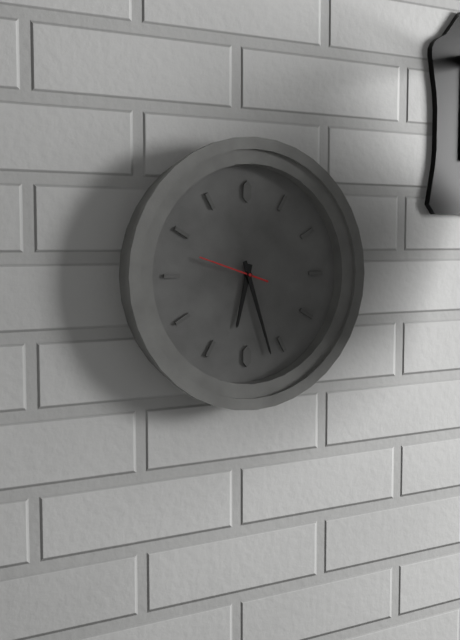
h=6 m=27 s=48
